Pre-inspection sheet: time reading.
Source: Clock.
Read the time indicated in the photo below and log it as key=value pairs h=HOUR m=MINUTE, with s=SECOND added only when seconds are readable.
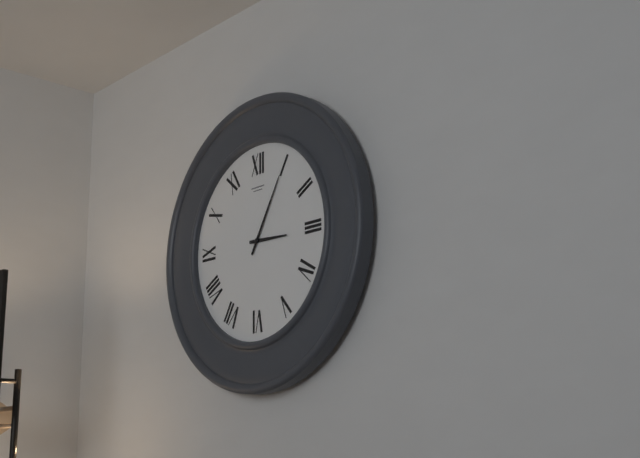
h=3 m=5
